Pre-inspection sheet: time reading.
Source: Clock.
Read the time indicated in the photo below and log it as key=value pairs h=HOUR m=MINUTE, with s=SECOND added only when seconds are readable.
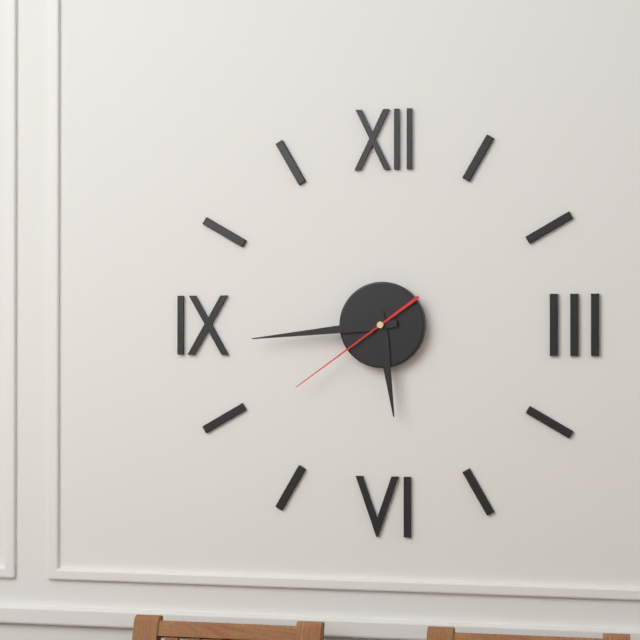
h=5 m=44 s=39
